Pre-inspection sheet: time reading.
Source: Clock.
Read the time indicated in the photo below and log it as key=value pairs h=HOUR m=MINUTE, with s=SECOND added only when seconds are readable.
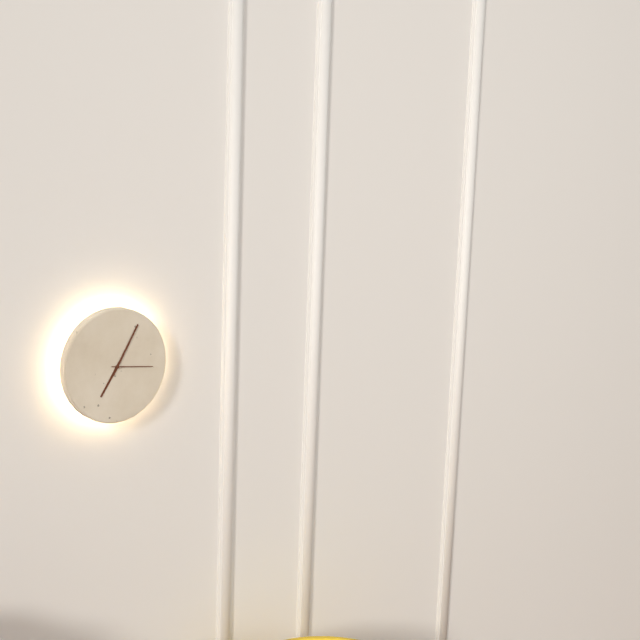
h=7 m=5
